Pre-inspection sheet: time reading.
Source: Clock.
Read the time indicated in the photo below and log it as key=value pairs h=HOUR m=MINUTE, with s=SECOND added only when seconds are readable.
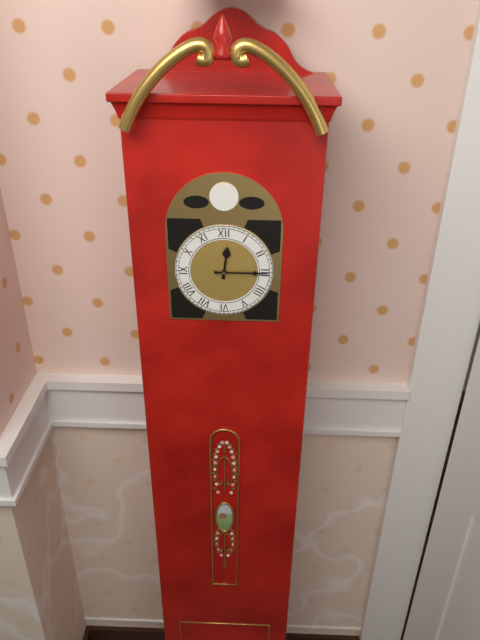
h=12 m=15
